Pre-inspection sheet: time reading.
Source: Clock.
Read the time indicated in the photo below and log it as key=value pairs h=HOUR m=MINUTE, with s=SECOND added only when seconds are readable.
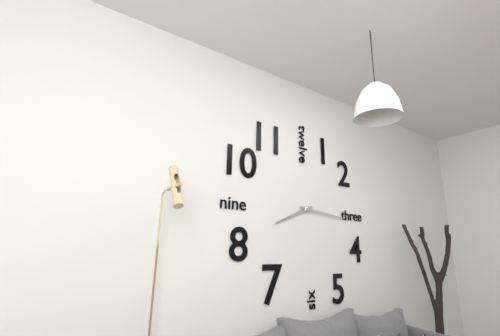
h=8 m=16
